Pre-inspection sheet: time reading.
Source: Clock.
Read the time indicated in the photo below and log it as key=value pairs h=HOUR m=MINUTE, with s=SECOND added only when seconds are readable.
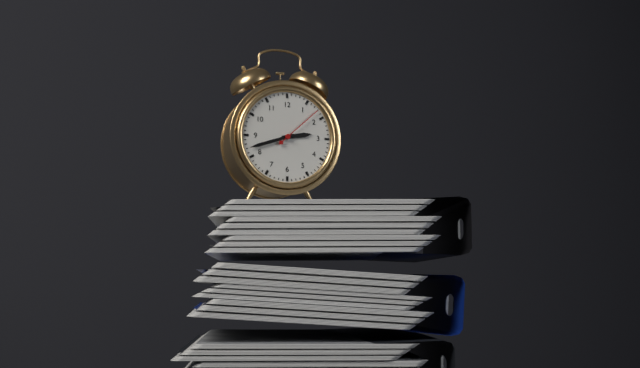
h=2 m=42 s=8
